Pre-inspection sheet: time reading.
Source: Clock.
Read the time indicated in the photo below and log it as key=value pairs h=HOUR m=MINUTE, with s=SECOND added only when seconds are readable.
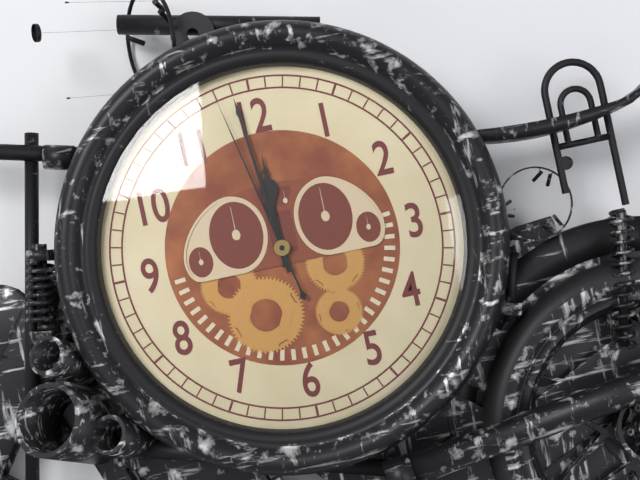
h=11 m=59 s=58
